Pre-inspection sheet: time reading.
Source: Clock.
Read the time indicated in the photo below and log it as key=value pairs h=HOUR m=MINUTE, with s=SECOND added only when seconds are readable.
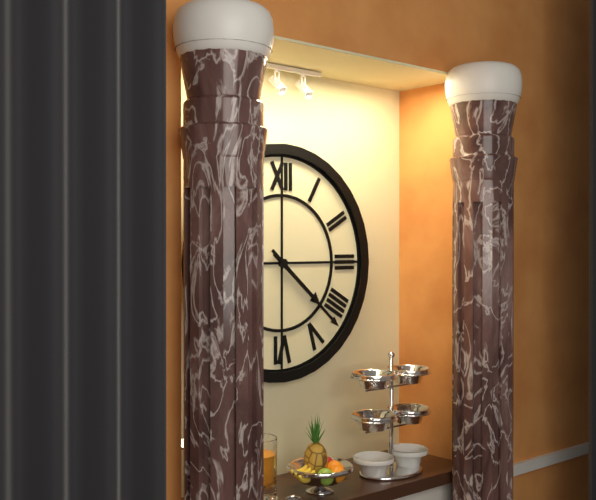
h=4 m=22
